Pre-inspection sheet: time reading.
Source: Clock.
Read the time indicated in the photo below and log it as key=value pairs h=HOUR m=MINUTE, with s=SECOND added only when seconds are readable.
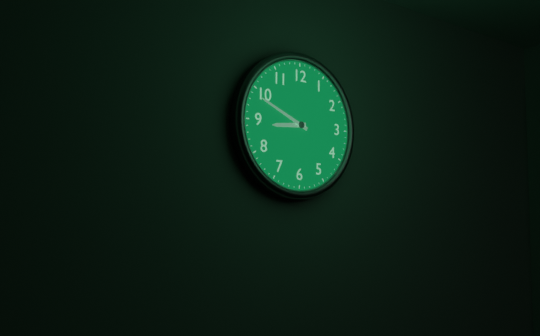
h=8 m=49
